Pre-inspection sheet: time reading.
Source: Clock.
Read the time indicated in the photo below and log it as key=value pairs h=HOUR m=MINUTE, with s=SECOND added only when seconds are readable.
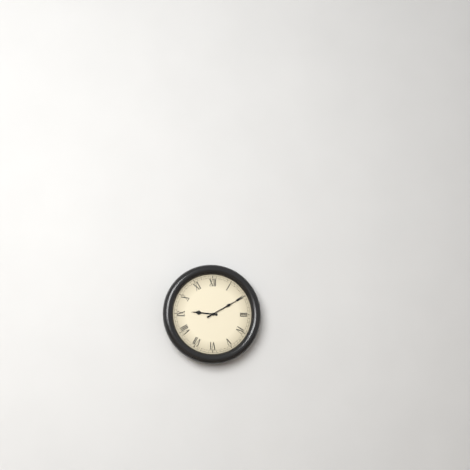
h=9 m=10
